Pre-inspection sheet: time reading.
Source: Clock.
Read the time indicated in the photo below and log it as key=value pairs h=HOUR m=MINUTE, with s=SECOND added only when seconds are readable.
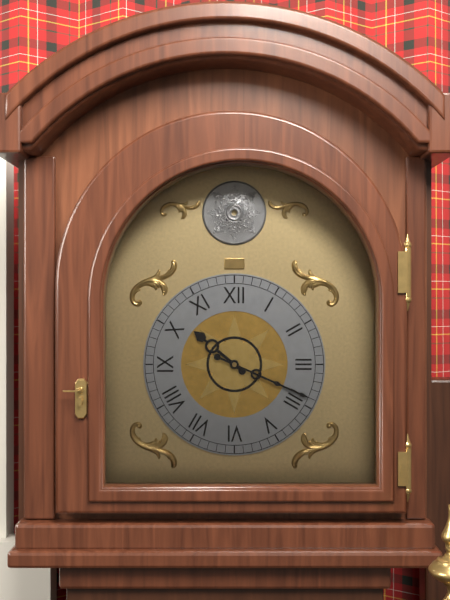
h=10 m=19
